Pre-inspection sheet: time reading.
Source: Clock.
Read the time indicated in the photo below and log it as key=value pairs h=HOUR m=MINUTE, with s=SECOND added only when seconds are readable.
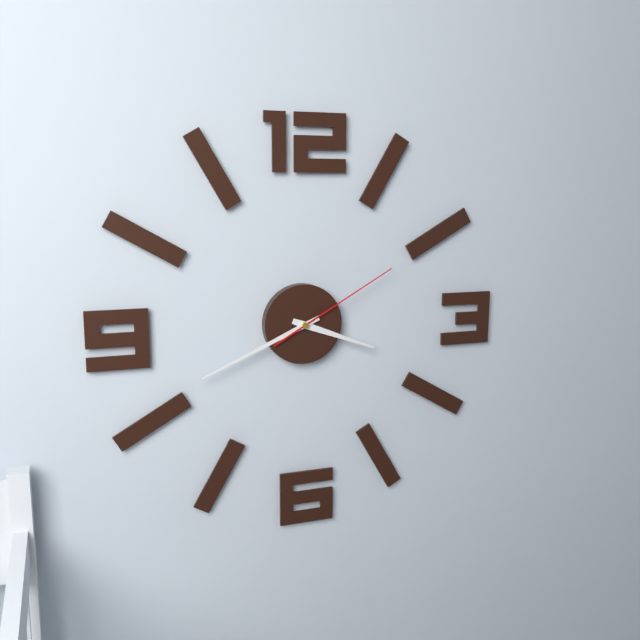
h=3 m=41 s=10
